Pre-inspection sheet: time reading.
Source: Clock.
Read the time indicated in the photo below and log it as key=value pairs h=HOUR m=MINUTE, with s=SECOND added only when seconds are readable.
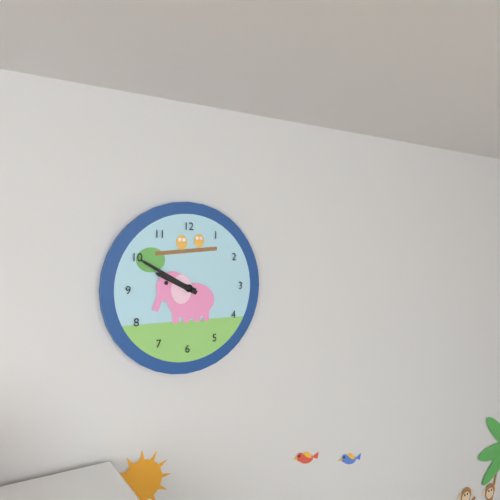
h=9 m=50
